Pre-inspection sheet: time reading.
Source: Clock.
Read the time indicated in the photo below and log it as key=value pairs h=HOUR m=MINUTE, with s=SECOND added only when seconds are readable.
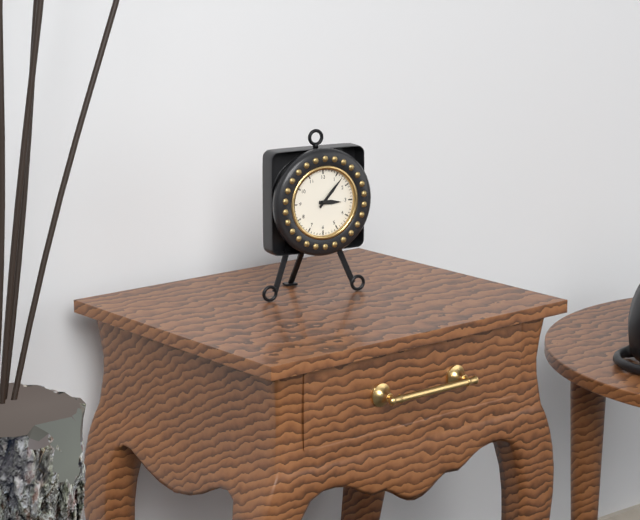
h=3 m=7
